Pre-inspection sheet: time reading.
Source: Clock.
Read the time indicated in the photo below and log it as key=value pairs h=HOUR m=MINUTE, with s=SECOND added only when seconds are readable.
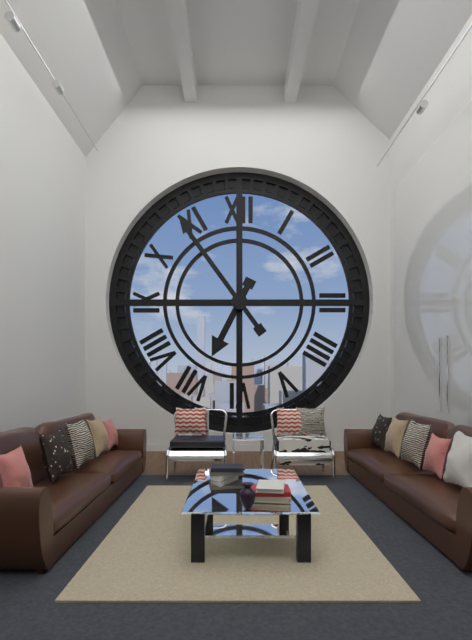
h=6 m=54
